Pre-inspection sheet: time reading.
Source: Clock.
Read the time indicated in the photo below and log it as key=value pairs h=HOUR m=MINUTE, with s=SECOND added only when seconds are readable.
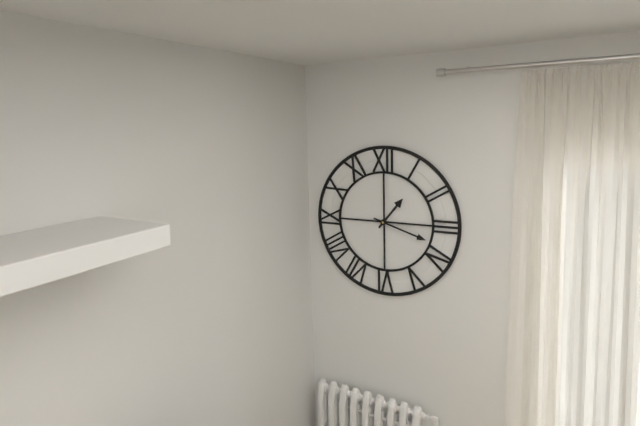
h=1 m=18
